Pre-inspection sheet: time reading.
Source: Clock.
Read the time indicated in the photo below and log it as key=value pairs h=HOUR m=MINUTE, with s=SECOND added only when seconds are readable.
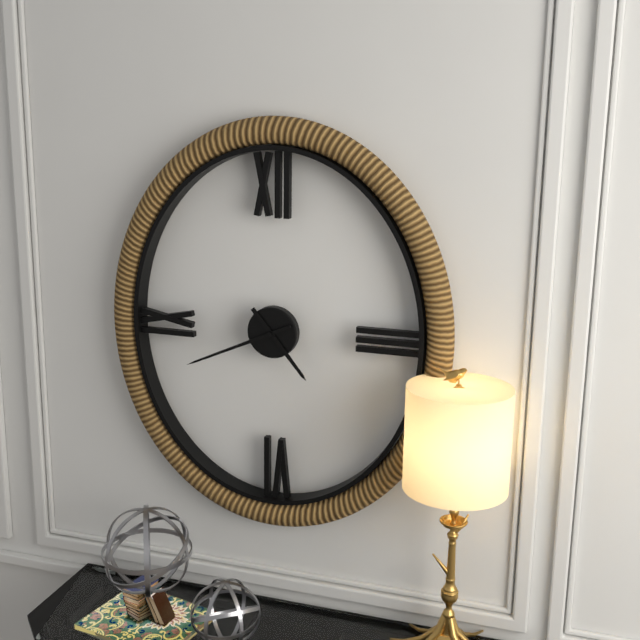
h=4 m=41
